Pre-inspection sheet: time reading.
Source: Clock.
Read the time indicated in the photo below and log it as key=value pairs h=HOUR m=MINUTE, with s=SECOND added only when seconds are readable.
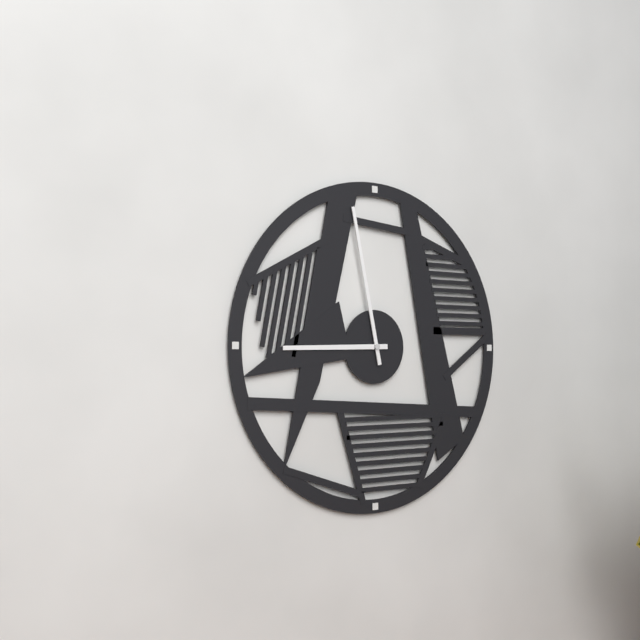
h=8 m=58
